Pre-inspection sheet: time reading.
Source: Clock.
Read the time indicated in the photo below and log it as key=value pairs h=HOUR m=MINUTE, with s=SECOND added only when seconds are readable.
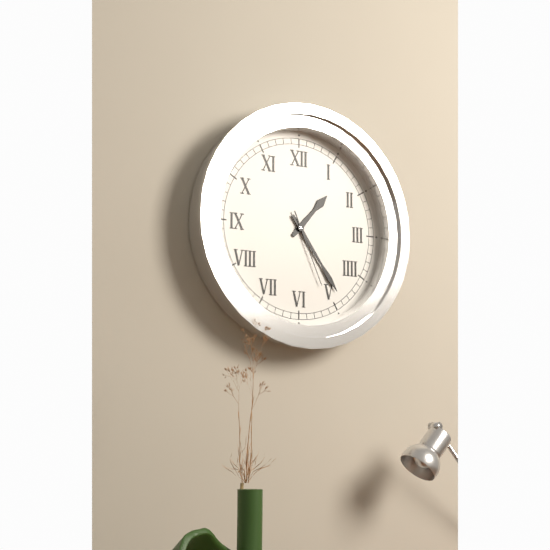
h=1 m=24 s=26
